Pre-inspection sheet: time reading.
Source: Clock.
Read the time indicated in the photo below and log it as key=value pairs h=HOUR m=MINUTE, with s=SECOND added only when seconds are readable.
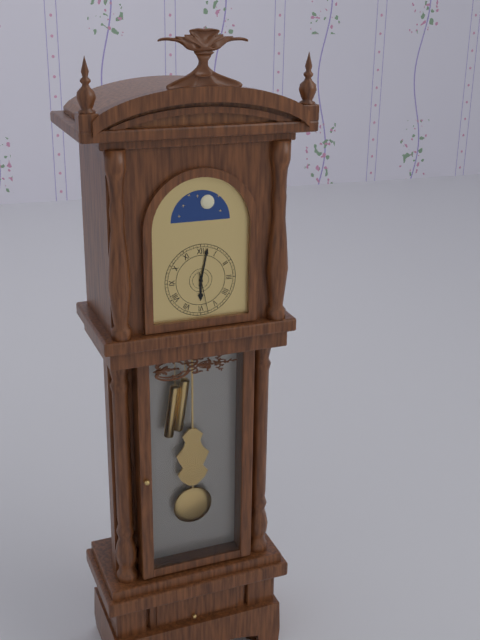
h=6 m=2
